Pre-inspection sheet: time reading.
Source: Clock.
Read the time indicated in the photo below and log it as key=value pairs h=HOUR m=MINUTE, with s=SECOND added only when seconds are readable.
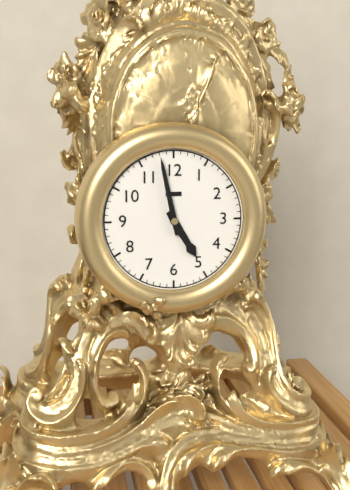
h=4 m=58
